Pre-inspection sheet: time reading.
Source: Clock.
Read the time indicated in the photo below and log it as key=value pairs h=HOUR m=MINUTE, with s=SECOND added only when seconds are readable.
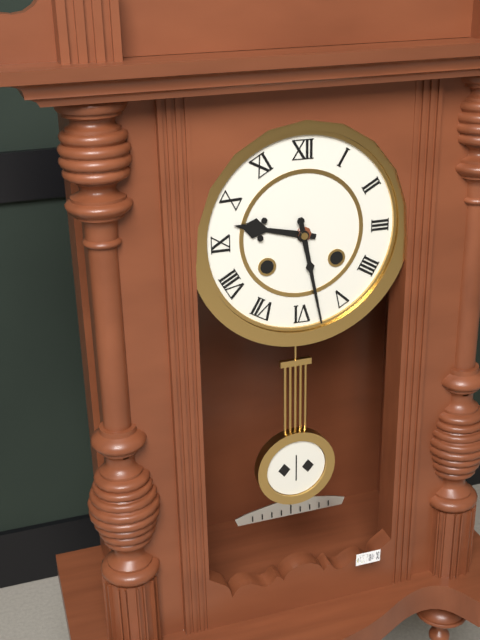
h=9 m=28
